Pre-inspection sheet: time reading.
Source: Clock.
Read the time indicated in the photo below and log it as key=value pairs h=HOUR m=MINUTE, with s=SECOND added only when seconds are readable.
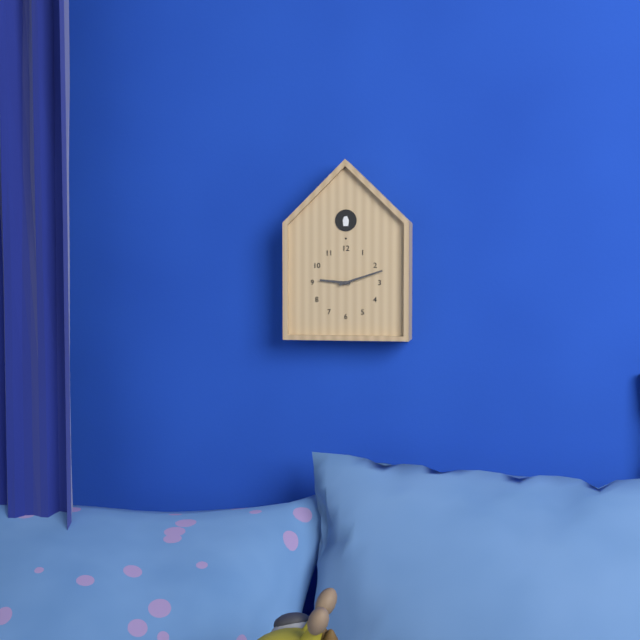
h=9 m=12
